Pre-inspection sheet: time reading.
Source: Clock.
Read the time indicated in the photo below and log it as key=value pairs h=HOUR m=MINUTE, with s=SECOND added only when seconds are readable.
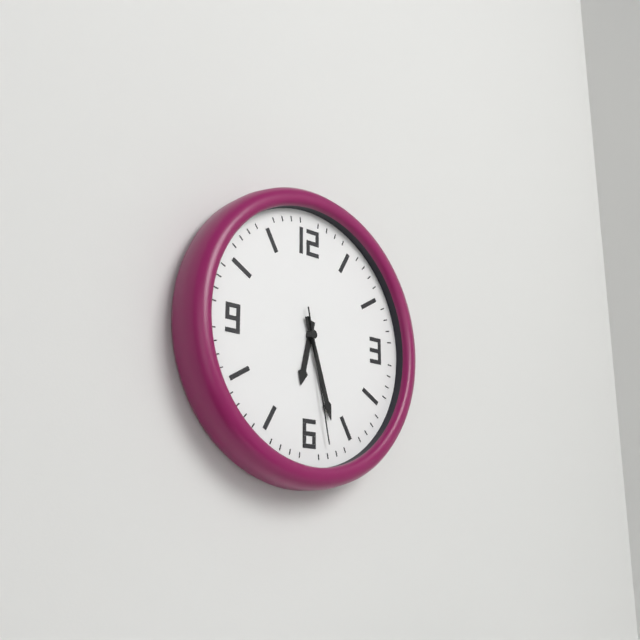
h=6 m=27 s=28
